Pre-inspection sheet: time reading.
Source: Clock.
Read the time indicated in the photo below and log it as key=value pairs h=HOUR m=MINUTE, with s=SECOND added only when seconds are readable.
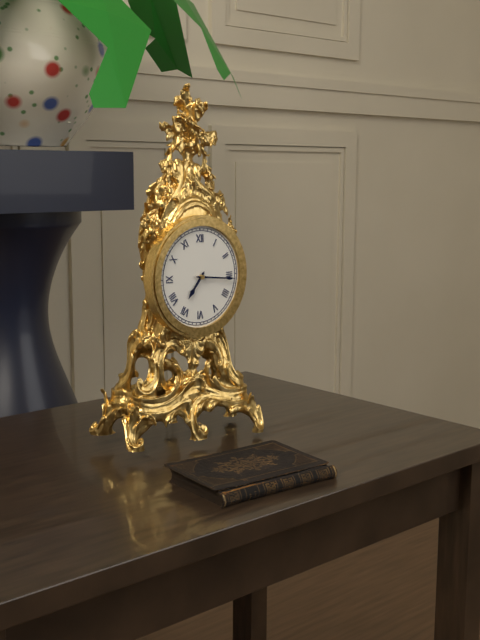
h=7 m=16
